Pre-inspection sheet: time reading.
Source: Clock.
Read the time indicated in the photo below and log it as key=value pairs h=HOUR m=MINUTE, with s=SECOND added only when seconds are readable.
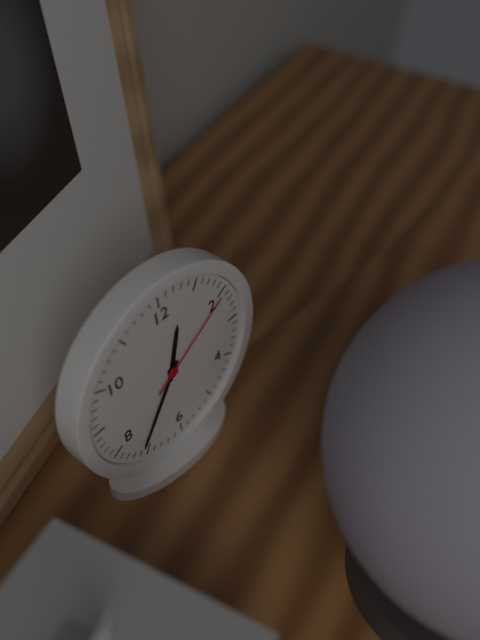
h=12 m=36 s=10
